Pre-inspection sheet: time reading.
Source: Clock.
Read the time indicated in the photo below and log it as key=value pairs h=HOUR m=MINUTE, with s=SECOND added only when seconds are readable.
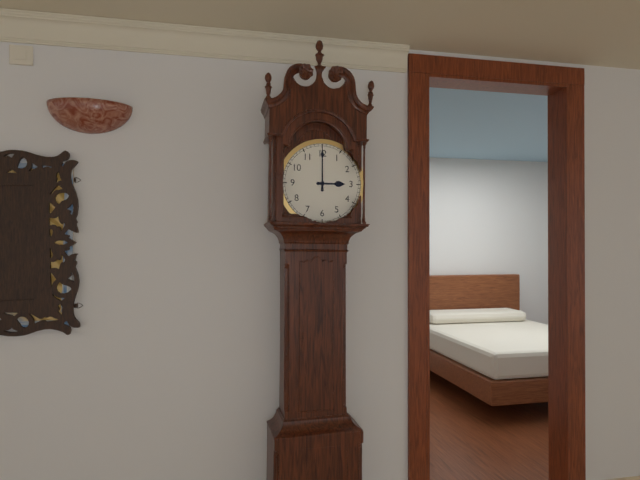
h=3 m=0
